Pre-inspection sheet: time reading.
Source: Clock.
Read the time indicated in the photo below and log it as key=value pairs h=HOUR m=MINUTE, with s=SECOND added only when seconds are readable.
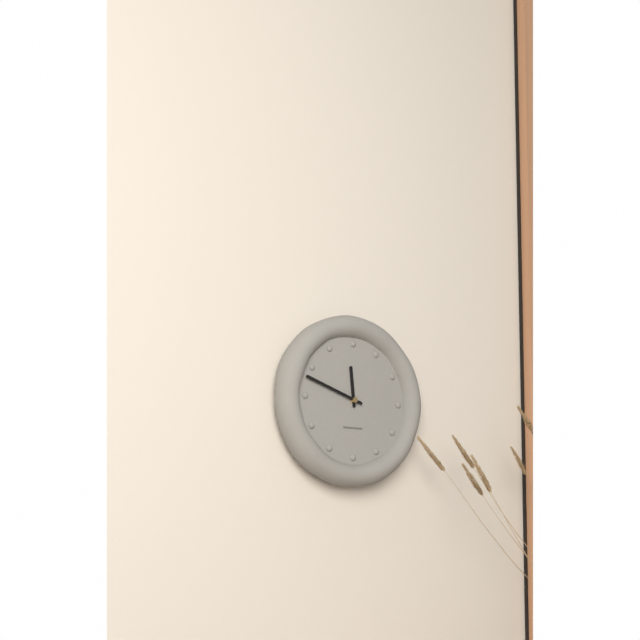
h=11 m=48
